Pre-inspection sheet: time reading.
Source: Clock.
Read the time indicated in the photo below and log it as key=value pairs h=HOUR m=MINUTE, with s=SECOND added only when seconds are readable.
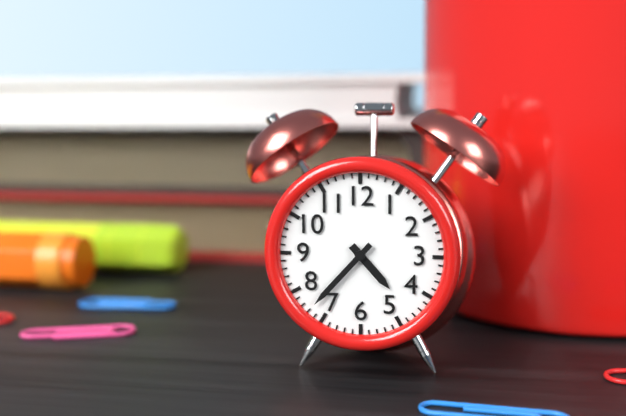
h=4 m=37
